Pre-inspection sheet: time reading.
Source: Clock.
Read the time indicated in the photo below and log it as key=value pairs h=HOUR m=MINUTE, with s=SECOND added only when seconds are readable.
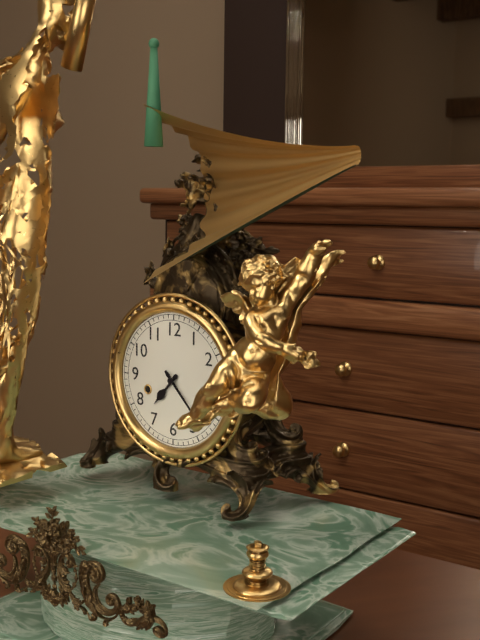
h=7 m=23
